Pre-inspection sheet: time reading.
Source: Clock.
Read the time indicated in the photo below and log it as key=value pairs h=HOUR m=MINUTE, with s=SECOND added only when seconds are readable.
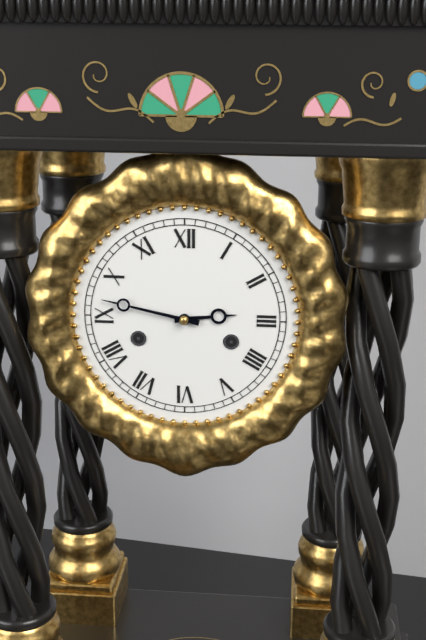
h=2 m=47
